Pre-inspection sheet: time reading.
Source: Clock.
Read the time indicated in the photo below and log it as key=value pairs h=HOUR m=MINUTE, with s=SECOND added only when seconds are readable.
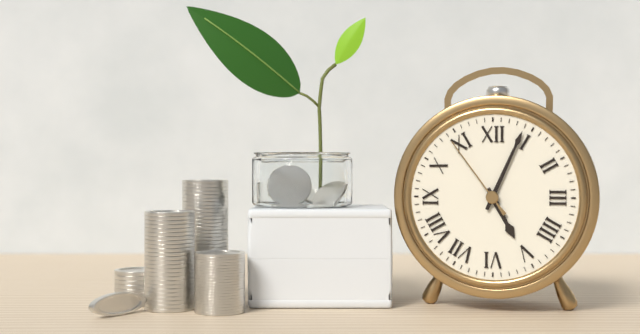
h=5 m=4 s=54
